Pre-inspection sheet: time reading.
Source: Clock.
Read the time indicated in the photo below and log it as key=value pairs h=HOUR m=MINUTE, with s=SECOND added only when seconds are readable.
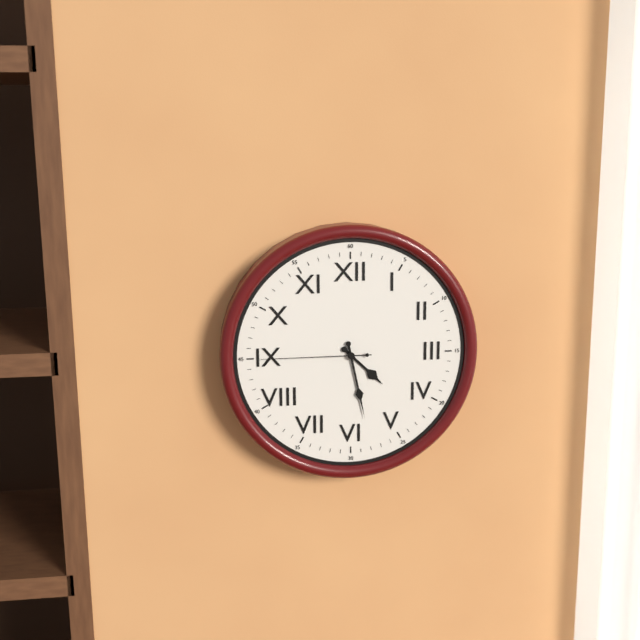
h=4 m=28 s=45
